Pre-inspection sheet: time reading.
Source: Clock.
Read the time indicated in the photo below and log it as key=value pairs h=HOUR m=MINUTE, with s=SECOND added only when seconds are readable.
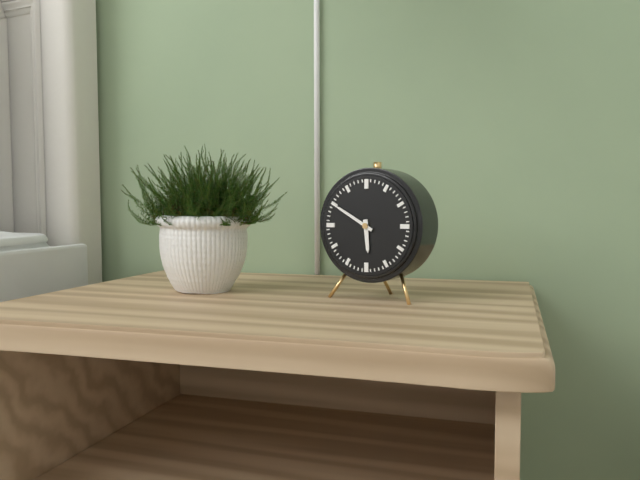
h=5 m=50
